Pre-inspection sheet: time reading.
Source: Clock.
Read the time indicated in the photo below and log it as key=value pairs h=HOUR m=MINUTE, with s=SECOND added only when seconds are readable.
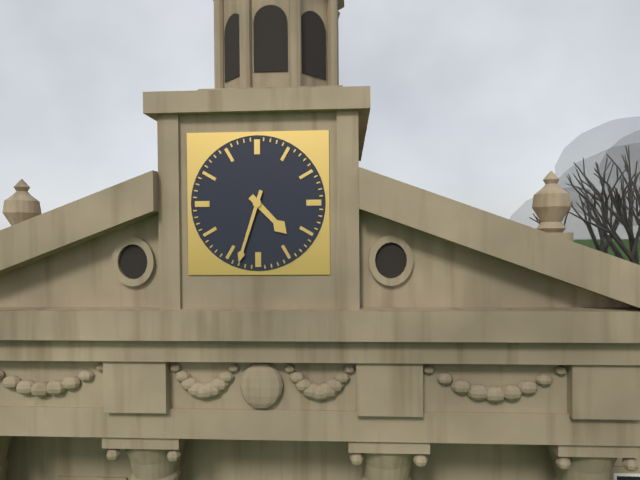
h=4 m=33
